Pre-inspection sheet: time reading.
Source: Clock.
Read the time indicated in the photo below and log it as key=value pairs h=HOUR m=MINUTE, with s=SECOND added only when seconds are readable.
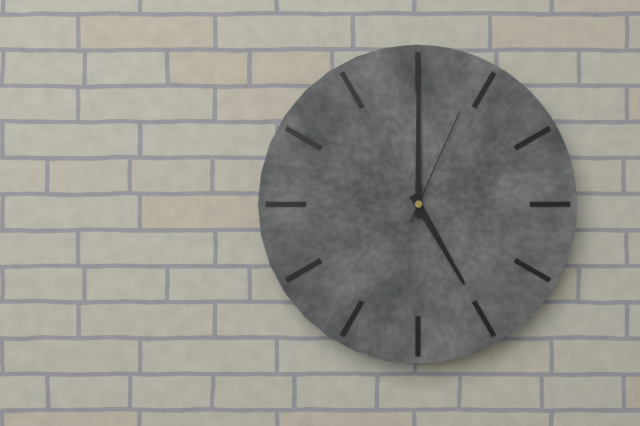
h=5 m=0 s=4
